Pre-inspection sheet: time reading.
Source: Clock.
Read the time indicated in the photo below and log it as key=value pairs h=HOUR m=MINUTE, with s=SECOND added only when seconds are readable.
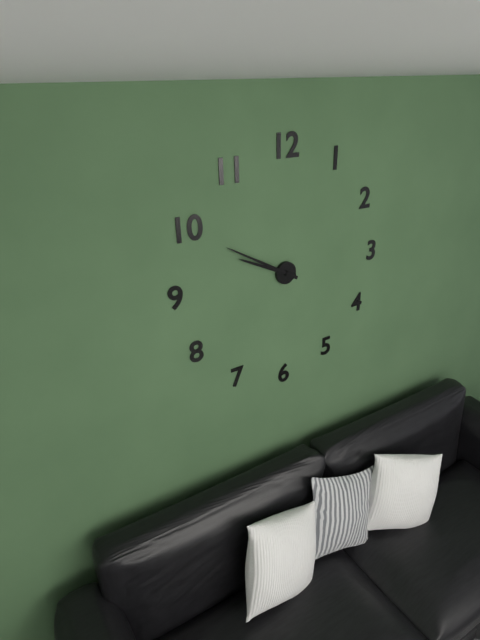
h=9 m=50
